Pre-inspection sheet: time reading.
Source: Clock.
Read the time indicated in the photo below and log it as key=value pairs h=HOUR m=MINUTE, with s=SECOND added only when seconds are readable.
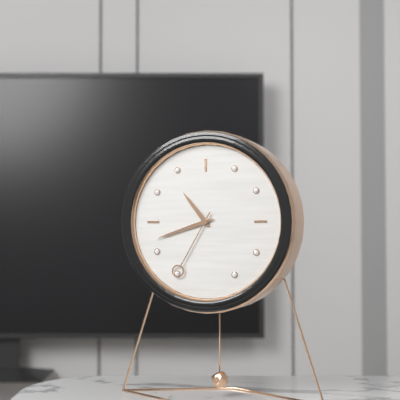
h=10 m=42 s=35
